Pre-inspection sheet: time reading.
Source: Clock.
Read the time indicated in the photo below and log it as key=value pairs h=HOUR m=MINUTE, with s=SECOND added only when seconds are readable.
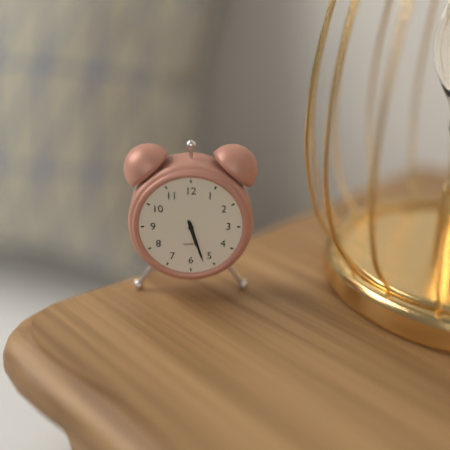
h=5 m=27
